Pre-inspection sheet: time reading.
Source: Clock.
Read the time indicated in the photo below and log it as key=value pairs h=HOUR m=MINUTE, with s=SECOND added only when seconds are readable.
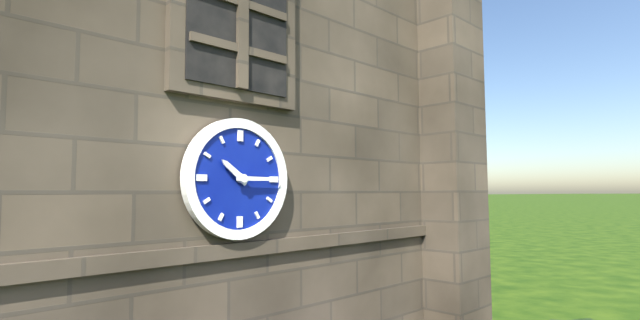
h=10 m=15
